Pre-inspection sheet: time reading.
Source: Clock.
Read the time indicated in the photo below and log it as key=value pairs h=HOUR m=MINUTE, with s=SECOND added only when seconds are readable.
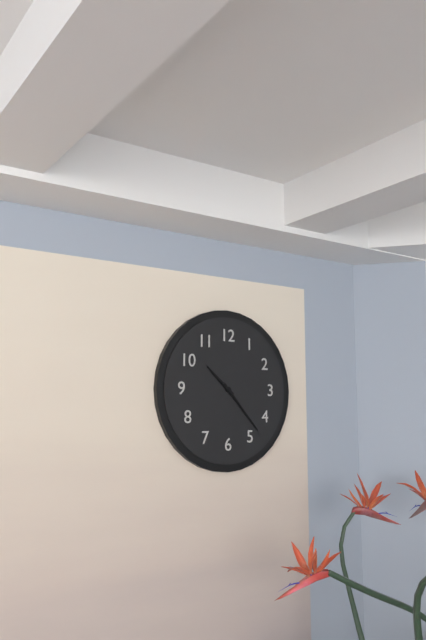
h=10 m=23
